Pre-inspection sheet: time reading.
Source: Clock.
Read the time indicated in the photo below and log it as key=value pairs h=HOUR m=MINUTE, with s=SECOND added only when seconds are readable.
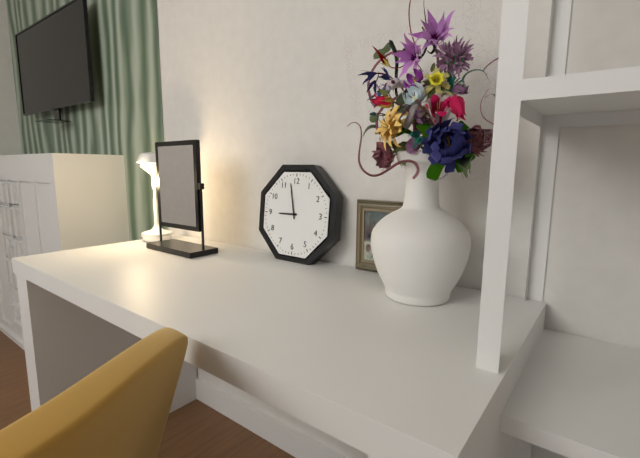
h=8 m=58
